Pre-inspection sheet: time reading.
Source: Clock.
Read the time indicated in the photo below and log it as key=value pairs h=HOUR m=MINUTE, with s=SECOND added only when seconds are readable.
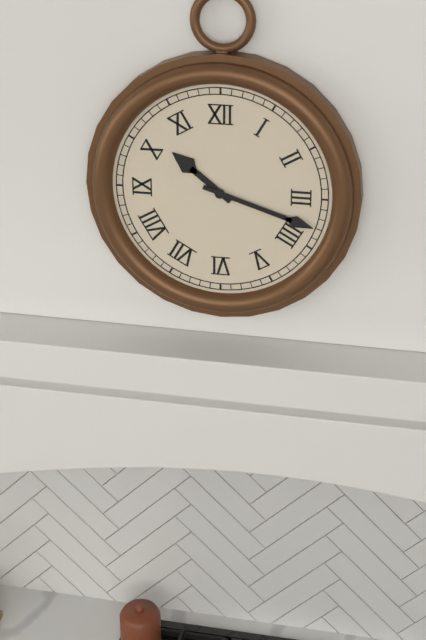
h=10 m=18
